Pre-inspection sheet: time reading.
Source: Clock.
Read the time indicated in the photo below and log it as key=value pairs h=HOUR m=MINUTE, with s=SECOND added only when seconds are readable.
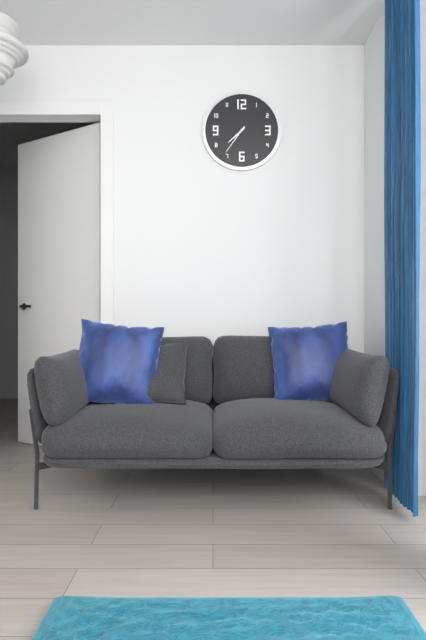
h=7 m=36
